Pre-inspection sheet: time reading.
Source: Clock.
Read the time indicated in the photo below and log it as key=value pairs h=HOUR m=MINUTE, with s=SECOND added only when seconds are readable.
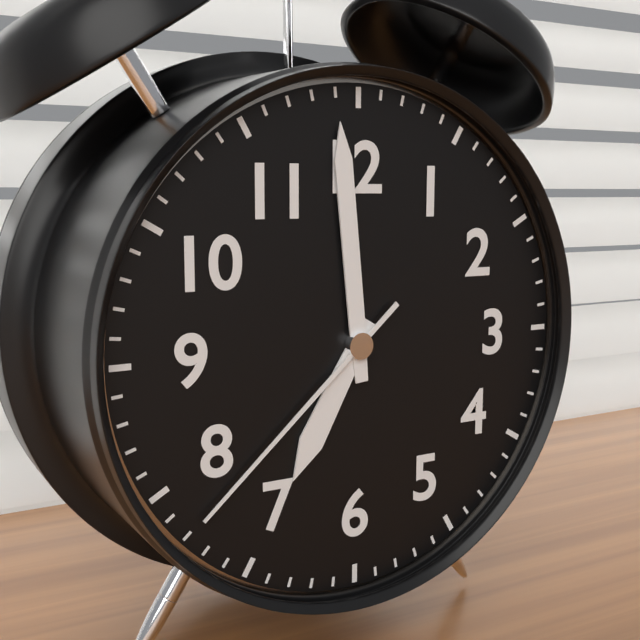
h=6 m=59 s=38
